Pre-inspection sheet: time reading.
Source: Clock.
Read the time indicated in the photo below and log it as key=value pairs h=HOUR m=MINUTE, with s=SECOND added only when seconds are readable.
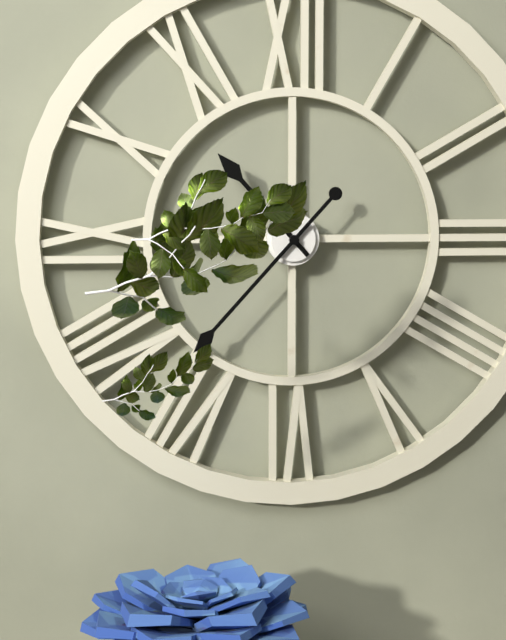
h=10 m=37
